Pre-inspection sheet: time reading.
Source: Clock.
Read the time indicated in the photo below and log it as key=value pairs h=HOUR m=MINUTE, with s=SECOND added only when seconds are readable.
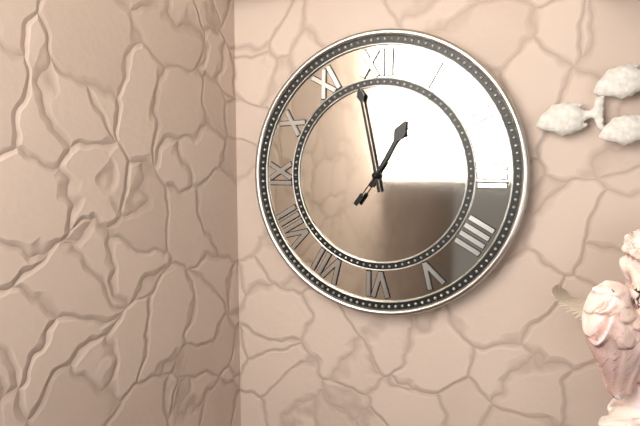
h=12 m=58 s=6
